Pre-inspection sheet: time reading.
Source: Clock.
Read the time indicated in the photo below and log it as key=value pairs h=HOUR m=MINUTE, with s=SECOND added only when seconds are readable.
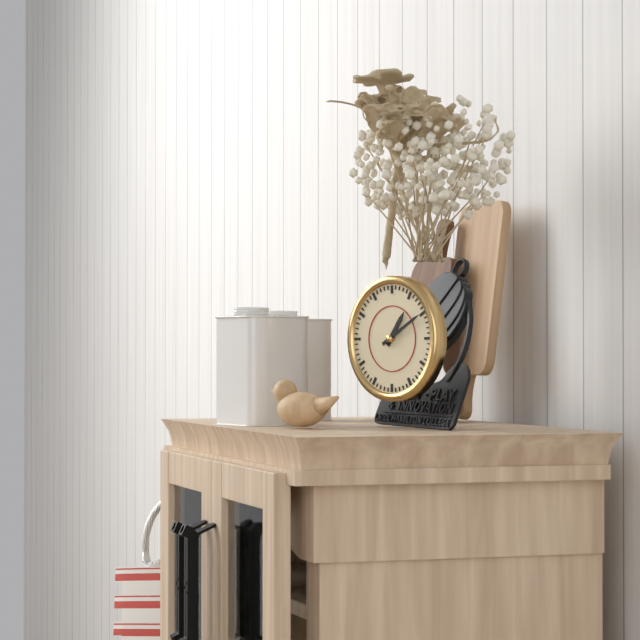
h=1 m=10
